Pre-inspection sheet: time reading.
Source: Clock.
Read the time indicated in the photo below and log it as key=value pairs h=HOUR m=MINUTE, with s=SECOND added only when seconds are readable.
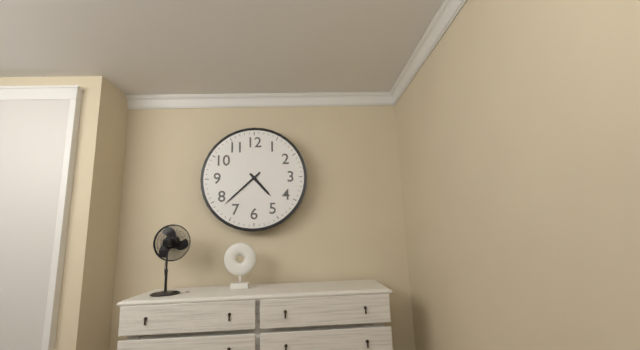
h=4 m=38
